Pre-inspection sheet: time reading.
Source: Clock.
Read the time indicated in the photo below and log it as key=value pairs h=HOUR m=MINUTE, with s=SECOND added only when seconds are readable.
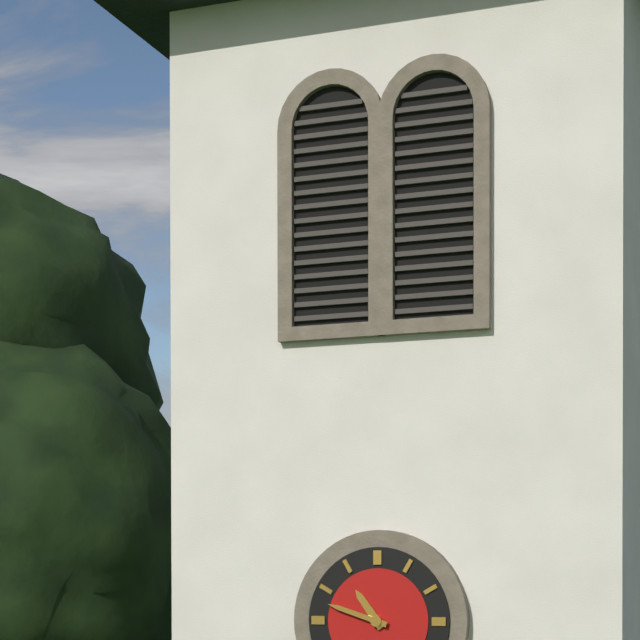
h=10 m=48
